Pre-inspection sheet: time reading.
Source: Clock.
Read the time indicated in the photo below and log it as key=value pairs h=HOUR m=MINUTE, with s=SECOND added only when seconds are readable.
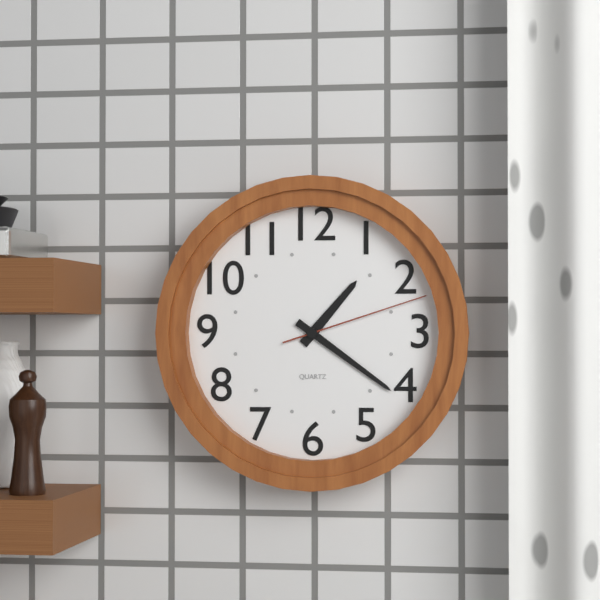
h=1 m=21 s=12
